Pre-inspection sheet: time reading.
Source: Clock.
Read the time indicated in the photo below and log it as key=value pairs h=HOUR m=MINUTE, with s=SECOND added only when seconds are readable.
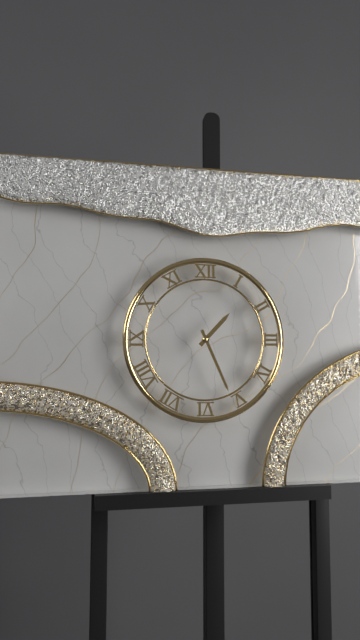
h=1 m=26
